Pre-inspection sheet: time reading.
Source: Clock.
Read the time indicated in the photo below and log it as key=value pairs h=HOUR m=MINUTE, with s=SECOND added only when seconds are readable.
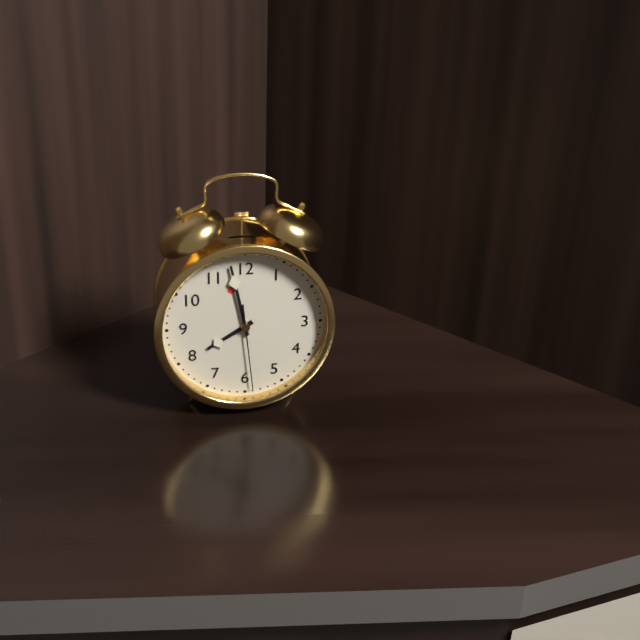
h=7 m=58 s=29
